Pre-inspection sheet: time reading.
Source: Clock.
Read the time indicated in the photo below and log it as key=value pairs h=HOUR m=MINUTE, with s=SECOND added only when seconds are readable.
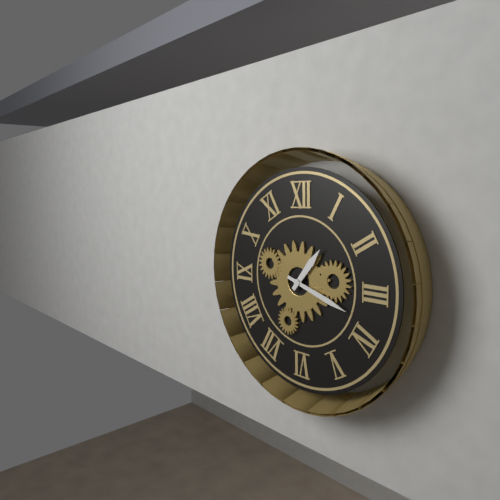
h=1 m=18
